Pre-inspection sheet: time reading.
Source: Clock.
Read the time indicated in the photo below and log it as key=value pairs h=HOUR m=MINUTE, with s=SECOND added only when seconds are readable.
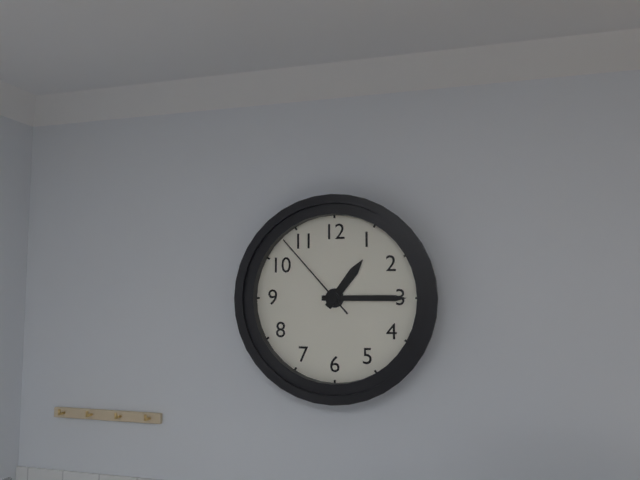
h=1 m=15 s=53
